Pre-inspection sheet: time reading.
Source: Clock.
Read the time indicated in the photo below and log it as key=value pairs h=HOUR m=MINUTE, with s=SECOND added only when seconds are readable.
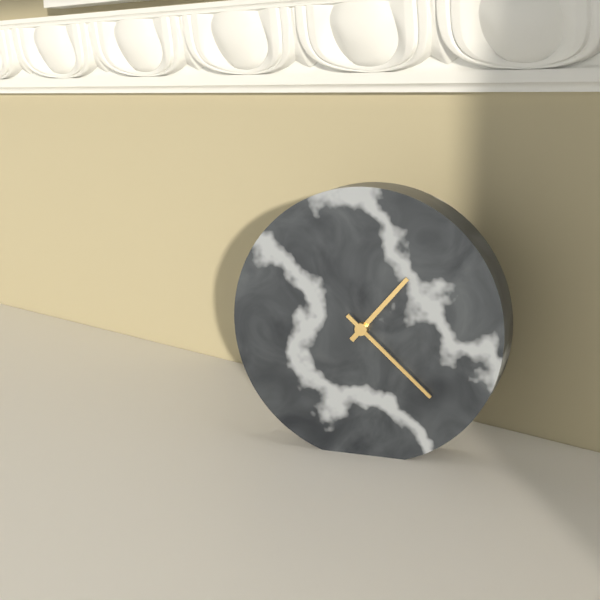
h=1 m=22
